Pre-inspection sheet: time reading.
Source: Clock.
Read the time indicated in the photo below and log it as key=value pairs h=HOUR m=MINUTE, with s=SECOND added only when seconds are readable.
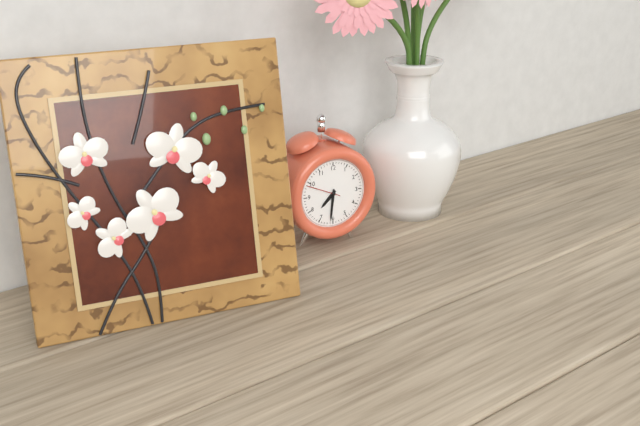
h=7 m=31
